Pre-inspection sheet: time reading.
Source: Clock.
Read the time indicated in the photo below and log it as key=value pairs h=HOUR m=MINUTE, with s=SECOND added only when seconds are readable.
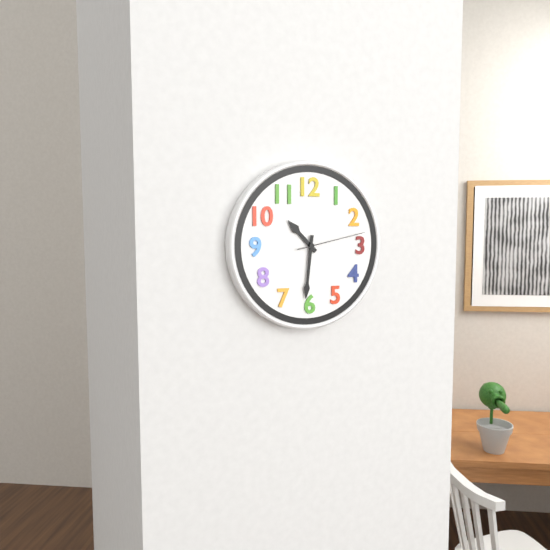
h=10 m=31 s=13
